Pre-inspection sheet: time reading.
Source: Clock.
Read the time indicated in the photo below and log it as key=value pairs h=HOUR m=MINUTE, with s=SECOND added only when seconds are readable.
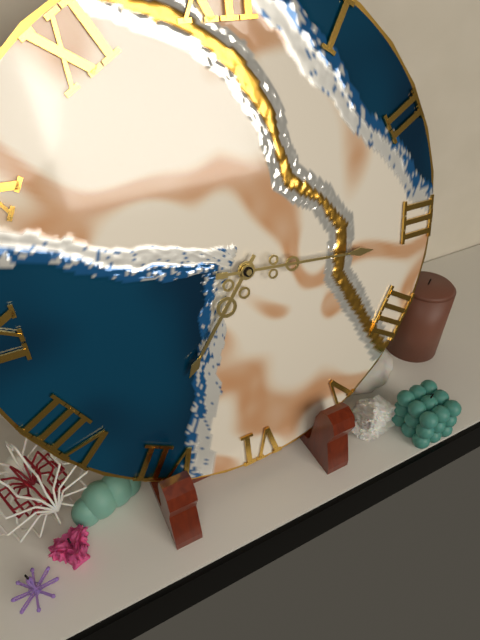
h=7 m=16
